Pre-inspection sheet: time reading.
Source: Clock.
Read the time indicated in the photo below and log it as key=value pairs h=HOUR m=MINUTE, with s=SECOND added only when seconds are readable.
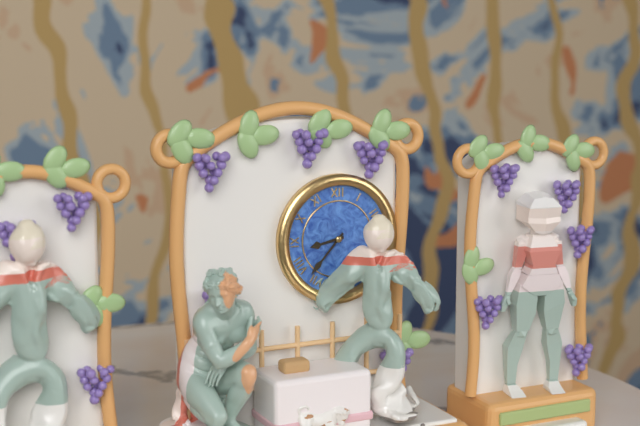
h=8 m=37
